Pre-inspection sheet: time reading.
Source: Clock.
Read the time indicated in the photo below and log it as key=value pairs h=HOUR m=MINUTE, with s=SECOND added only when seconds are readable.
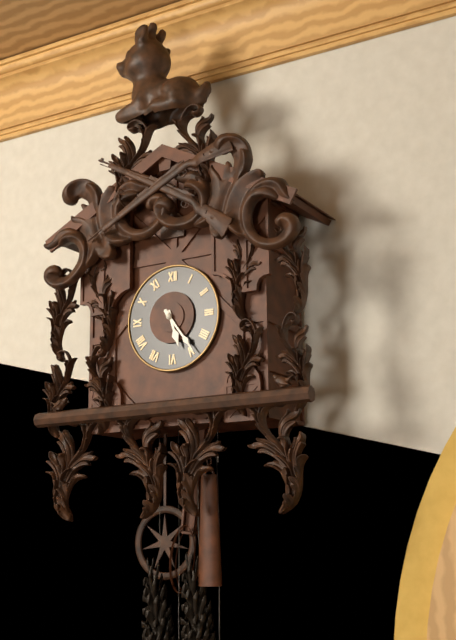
h=5 m=24
